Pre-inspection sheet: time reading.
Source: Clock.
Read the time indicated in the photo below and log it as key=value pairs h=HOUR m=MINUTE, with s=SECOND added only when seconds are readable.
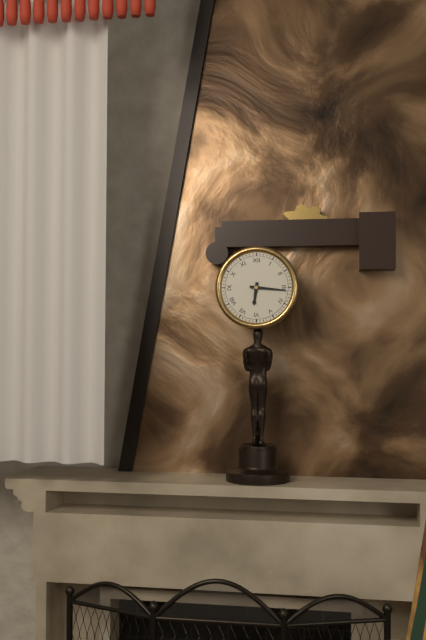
h=6 m=16
